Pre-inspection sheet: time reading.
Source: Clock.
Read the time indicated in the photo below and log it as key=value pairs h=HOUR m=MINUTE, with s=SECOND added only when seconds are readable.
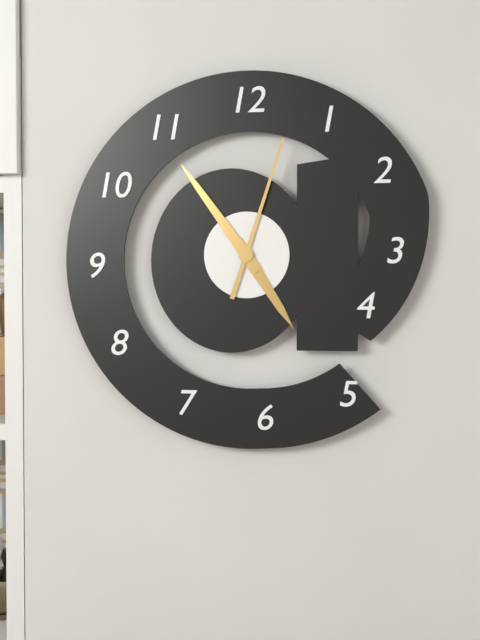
h=4 m=54 s=3
